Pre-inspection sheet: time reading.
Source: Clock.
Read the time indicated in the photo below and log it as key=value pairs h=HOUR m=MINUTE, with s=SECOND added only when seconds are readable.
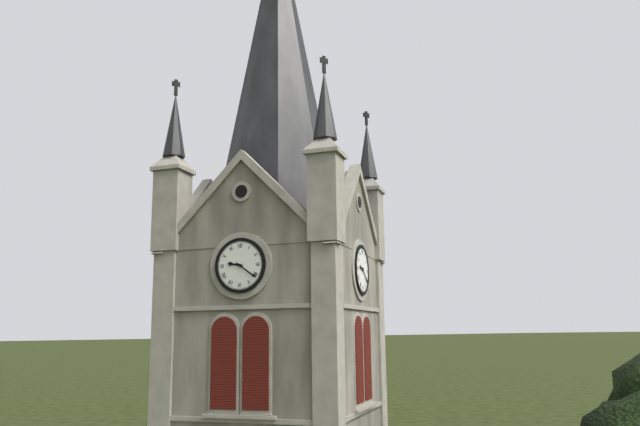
h=9 m=21
